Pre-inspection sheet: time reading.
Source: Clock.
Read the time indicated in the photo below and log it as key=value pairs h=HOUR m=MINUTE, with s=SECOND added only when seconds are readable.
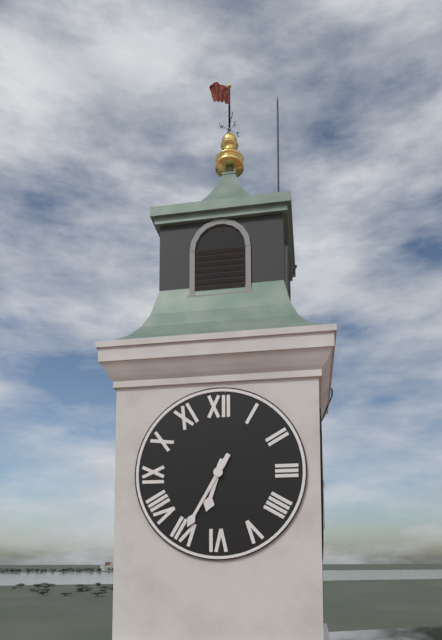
h=6 m=35
